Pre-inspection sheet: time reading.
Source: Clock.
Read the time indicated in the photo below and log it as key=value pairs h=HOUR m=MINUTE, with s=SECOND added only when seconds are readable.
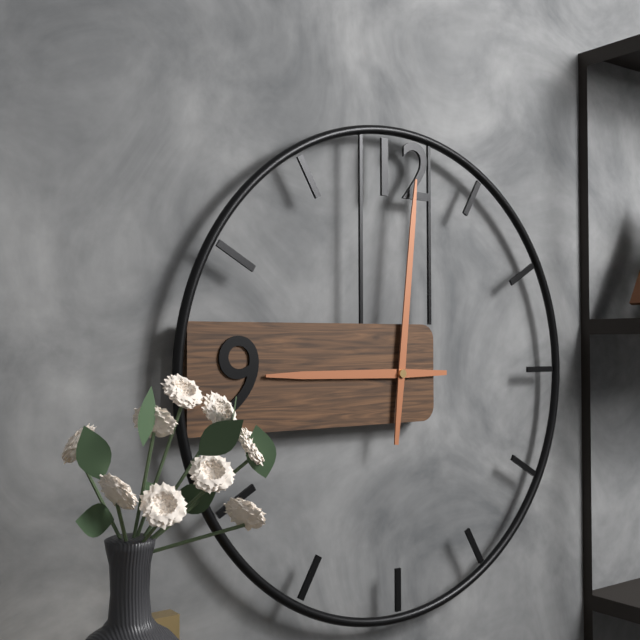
h=9 m=1
